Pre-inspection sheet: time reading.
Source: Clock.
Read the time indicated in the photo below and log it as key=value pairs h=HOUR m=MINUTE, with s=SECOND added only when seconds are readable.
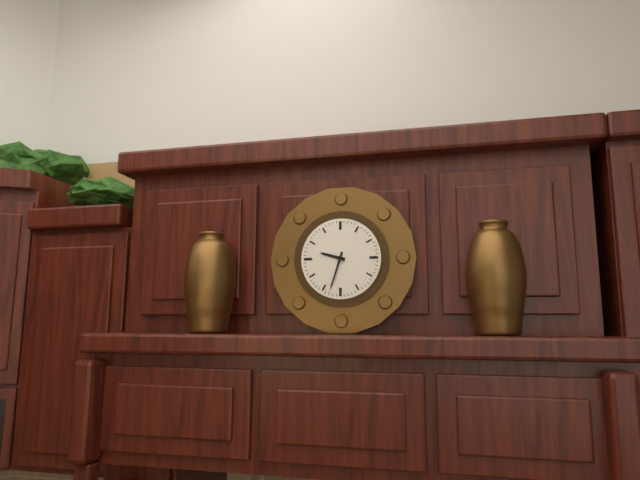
h=9 m=33
